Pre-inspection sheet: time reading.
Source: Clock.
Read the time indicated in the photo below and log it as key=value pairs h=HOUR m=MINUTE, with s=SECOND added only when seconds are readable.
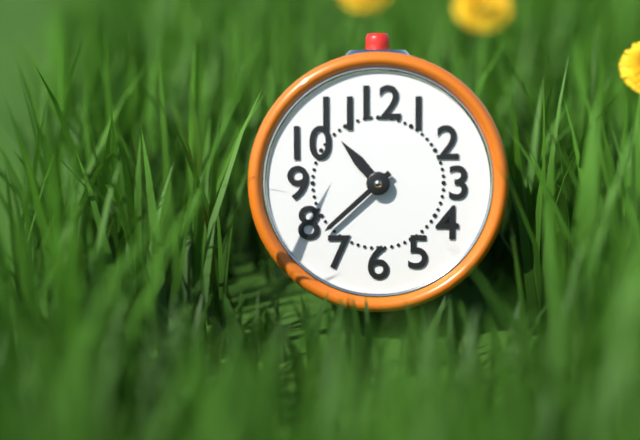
h=10 m=38
